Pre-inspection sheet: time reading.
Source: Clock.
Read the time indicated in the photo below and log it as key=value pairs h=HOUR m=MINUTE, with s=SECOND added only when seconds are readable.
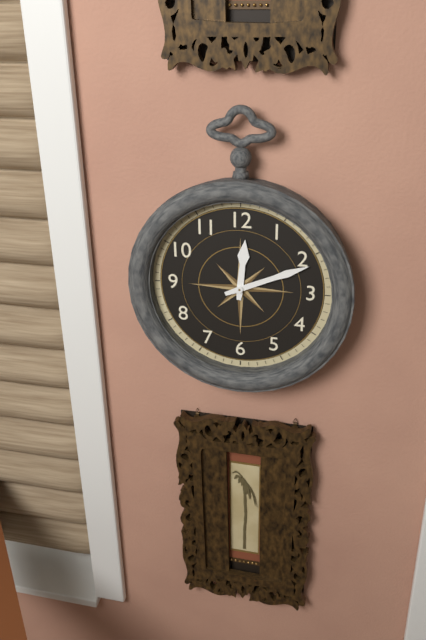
h=12 m=11
